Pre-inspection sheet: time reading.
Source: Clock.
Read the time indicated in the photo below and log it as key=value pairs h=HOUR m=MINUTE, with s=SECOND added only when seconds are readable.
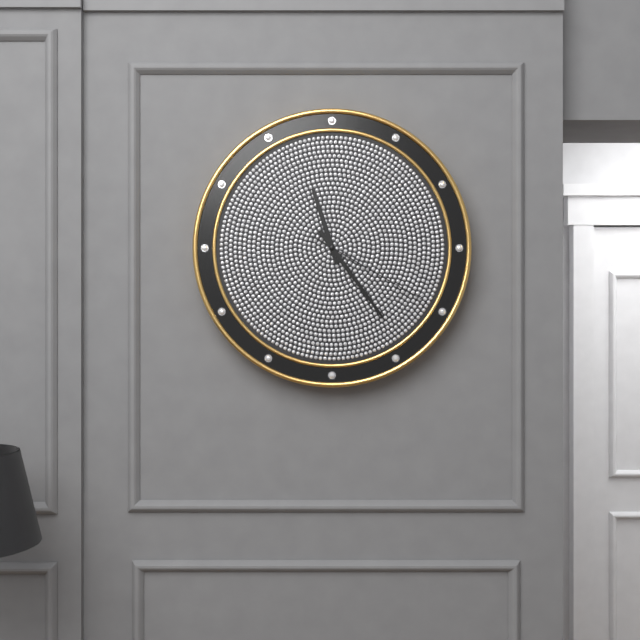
h=11 m=24 s=20
